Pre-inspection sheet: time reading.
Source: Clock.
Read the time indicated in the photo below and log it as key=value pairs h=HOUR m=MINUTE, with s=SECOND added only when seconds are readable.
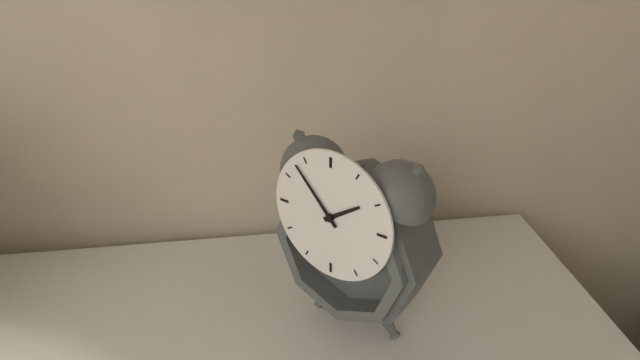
h=1 m=53
